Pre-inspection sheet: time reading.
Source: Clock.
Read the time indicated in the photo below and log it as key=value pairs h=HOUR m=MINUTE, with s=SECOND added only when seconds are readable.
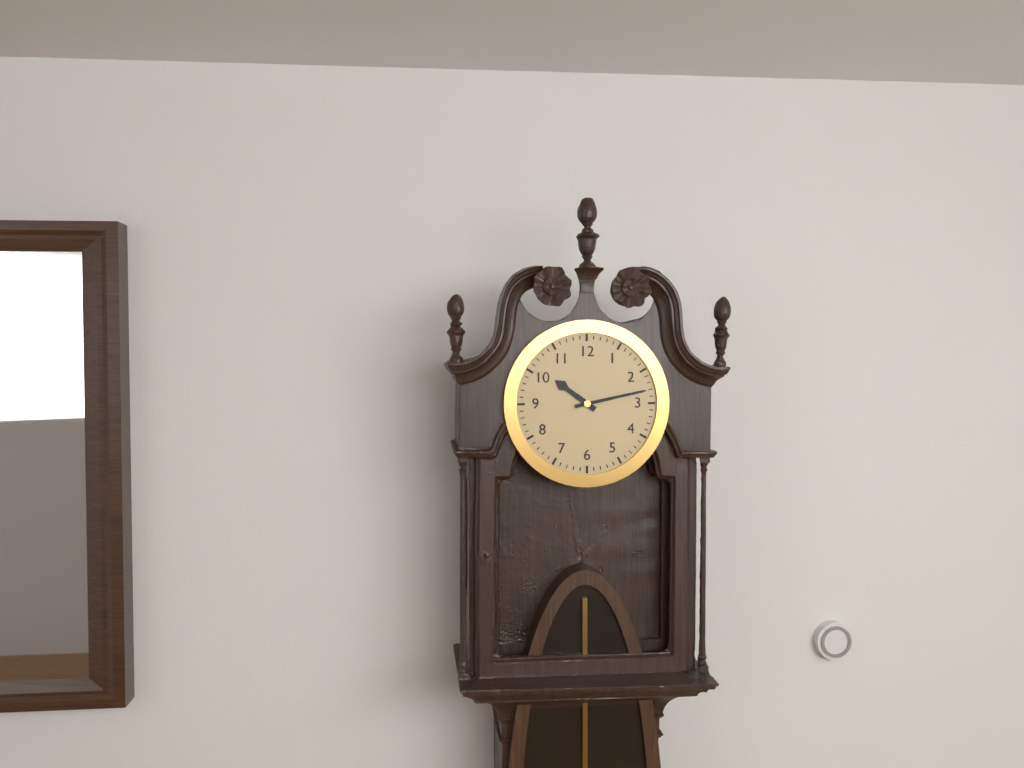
h=10 m=13
